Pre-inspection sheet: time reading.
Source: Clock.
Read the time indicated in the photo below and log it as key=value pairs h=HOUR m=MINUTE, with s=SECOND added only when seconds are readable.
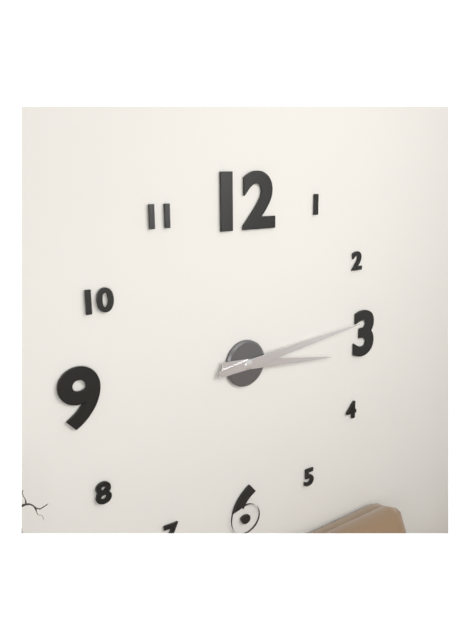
h=3 m=14
